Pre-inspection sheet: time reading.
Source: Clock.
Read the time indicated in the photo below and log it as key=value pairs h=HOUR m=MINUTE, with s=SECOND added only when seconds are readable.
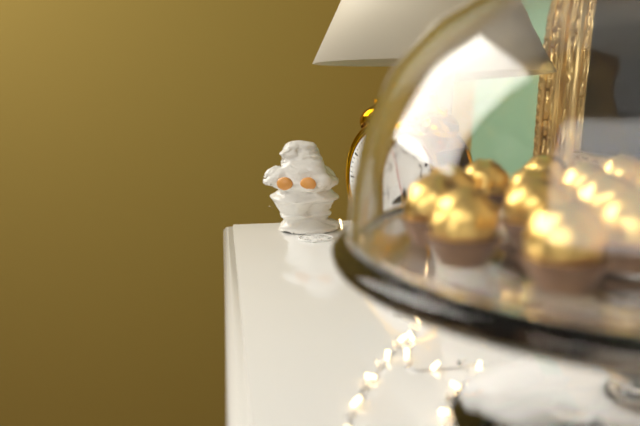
h=8 m=36 s=54
